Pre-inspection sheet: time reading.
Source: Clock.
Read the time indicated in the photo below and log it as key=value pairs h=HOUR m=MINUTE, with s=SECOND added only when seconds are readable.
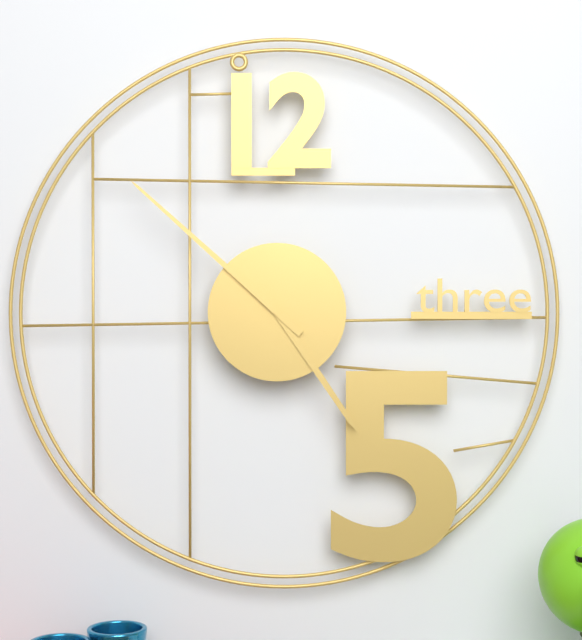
h=4 m=52
